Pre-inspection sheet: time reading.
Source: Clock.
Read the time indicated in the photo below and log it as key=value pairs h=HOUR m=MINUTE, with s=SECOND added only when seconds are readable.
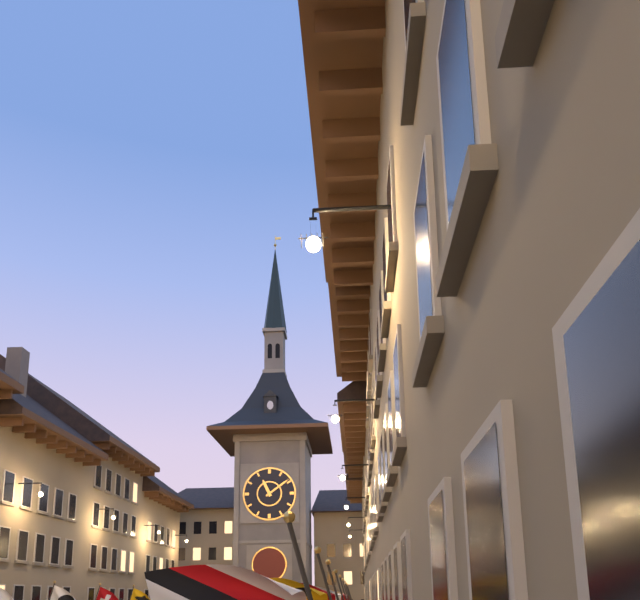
h=11 m=9
